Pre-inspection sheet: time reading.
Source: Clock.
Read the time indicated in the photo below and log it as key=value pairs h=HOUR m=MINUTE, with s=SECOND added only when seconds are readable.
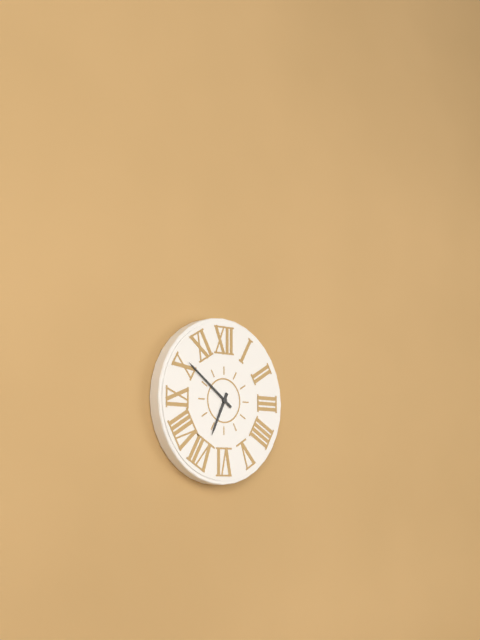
h=6 m=51
